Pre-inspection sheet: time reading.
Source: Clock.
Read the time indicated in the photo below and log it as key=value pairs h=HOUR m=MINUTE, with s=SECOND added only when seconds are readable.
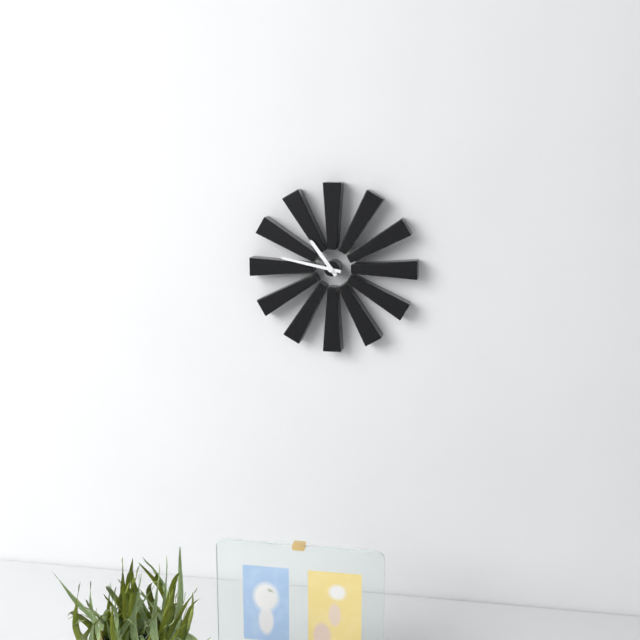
h=10 m=47
